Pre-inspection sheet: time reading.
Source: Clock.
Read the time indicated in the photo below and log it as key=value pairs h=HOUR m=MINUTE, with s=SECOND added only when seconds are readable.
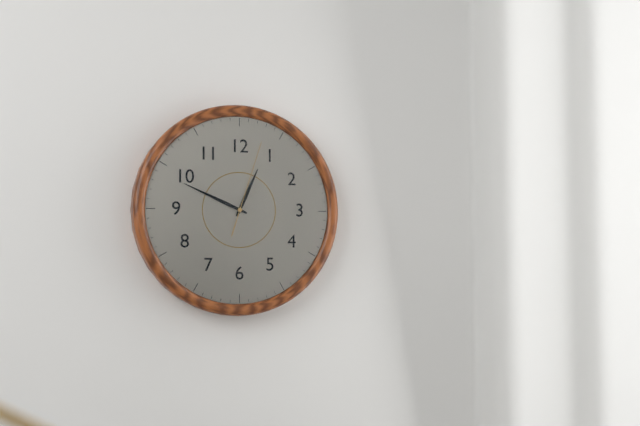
h=12 m=49 s=3
